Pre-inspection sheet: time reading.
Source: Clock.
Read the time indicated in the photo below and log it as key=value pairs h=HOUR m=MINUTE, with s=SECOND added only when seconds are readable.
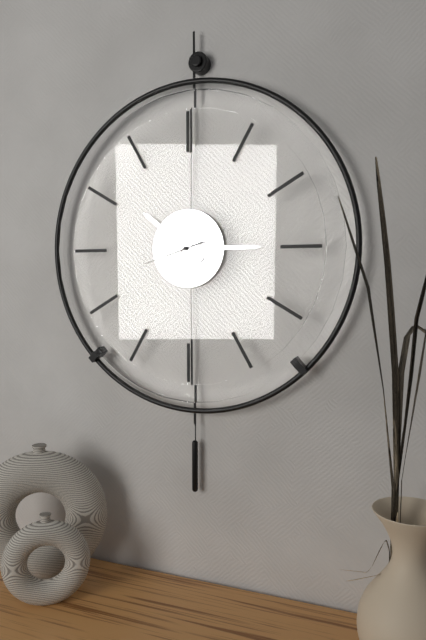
h=10 m=15 s=42
